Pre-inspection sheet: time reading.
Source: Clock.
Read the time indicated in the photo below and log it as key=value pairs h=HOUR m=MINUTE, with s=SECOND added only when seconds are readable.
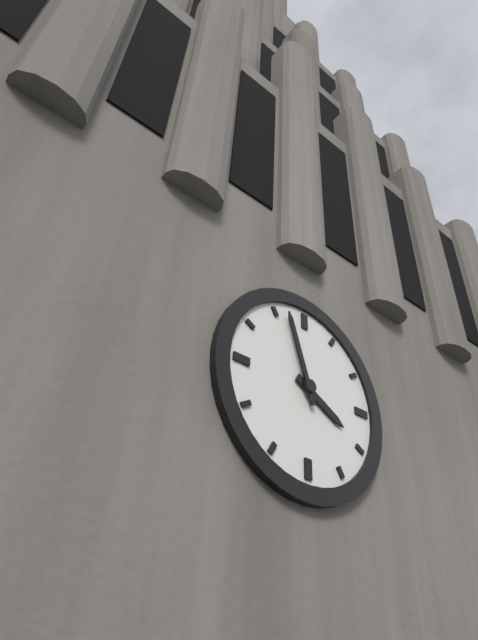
h=3 m=57
